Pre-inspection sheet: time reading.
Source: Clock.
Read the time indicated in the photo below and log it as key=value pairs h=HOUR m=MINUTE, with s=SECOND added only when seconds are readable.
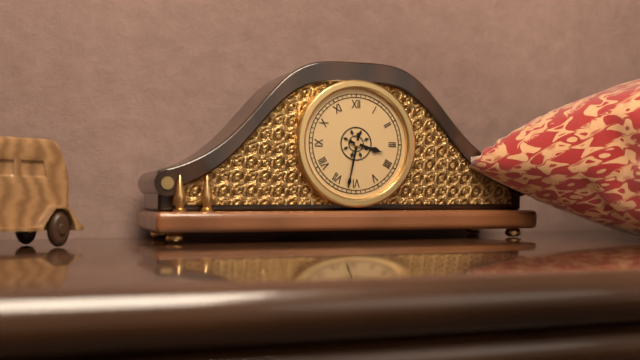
h=3 m=32
